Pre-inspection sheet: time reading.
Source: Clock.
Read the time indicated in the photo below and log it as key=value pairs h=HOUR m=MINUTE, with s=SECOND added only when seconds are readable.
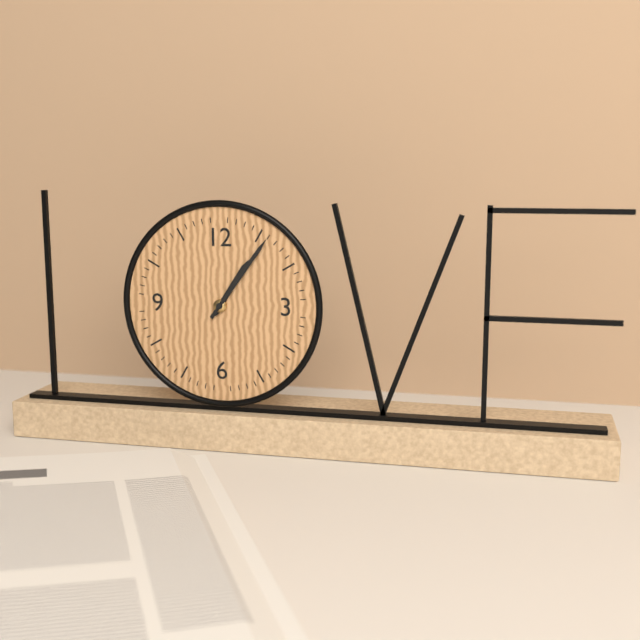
h=1 m=6
